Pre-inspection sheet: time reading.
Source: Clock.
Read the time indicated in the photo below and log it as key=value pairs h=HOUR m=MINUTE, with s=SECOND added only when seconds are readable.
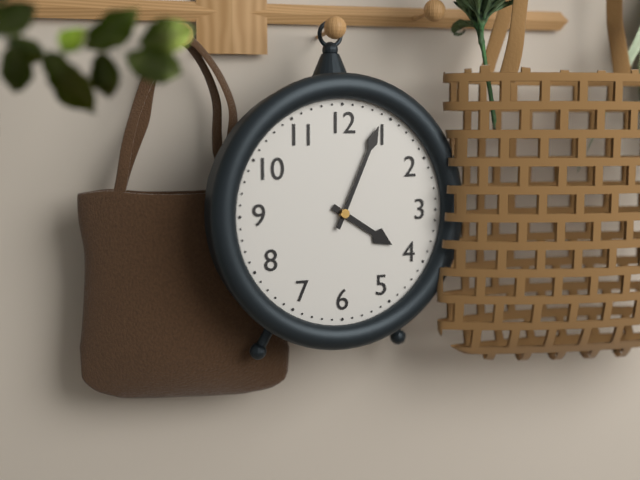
h=4 m=4
